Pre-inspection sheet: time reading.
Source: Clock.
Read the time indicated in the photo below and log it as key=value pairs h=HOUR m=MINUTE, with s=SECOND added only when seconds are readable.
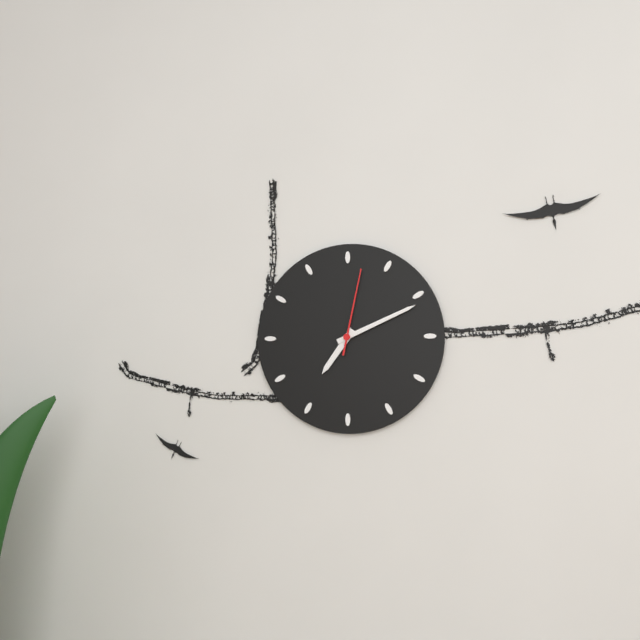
h=7 m=11 s=2
